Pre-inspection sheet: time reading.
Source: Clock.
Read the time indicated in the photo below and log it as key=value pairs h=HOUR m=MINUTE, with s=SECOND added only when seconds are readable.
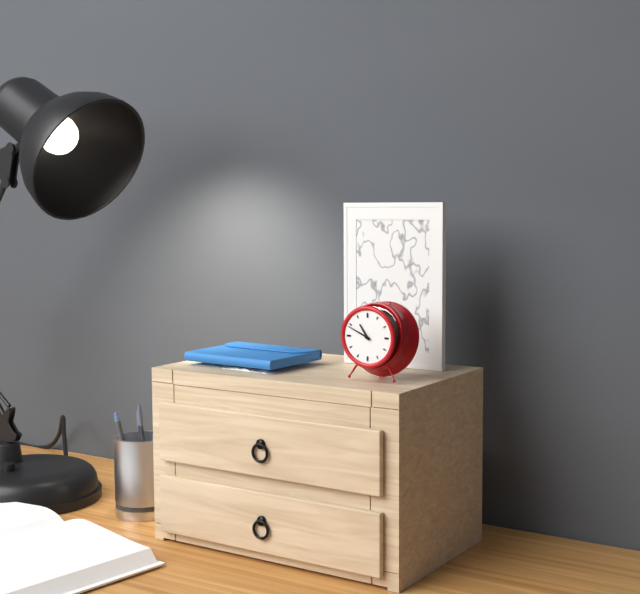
h=10 m=49
